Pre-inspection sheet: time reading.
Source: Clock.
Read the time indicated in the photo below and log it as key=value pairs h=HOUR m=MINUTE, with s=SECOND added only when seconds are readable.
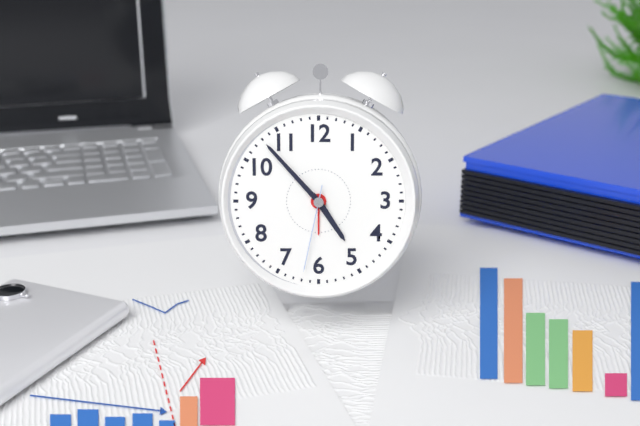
h=4 m=53 s=32
